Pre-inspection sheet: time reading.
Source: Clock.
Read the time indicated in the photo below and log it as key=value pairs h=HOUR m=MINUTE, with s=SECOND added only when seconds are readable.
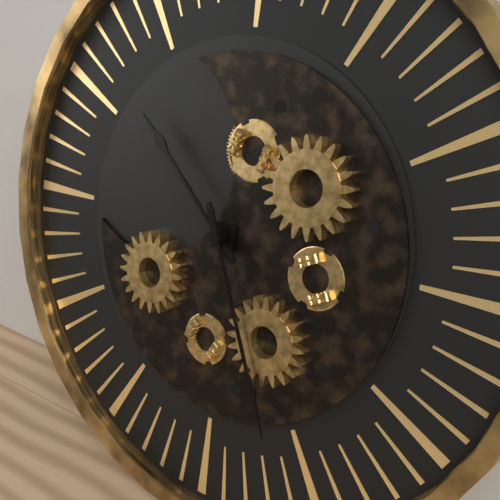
h=10 m=26
